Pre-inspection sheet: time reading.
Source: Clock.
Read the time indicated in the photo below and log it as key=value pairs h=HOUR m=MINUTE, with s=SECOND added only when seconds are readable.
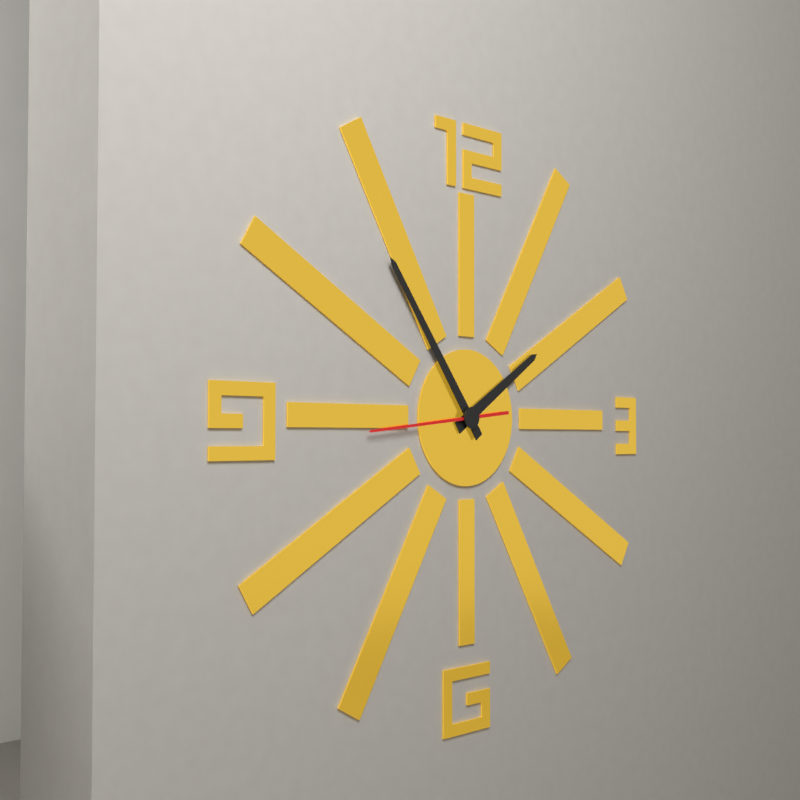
h=1 m=54 s=44
